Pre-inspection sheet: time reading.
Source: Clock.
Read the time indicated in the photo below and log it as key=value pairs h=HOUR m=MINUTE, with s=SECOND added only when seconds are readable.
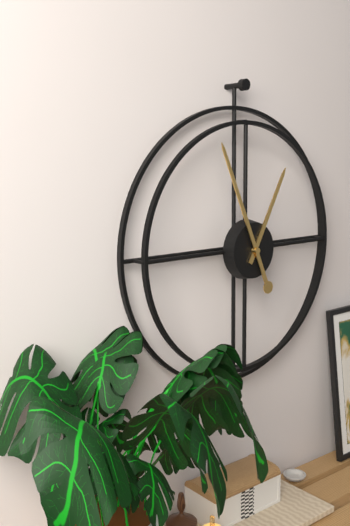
h=12 m=56
